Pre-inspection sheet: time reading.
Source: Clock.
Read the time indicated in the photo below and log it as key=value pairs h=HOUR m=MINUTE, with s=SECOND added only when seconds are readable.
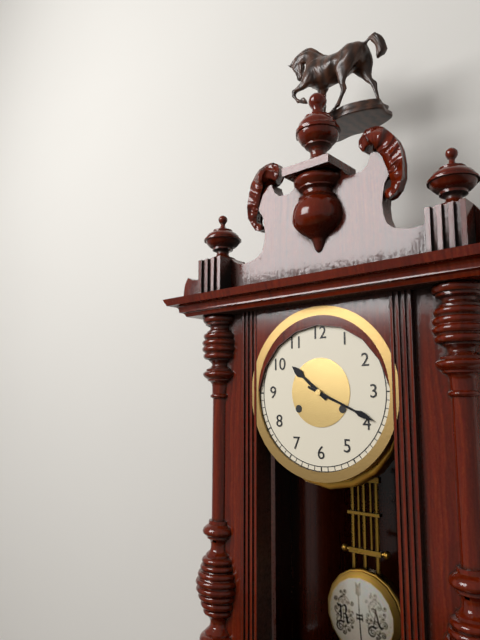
h=10 m=19
